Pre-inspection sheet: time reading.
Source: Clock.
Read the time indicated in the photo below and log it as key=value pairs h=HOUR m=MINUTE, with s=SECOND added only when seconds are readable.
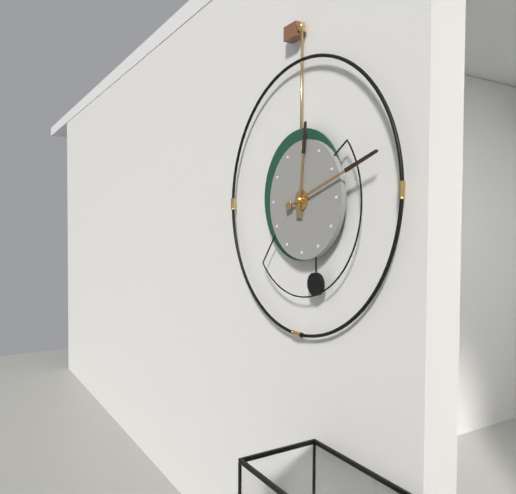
h=12 m=12
